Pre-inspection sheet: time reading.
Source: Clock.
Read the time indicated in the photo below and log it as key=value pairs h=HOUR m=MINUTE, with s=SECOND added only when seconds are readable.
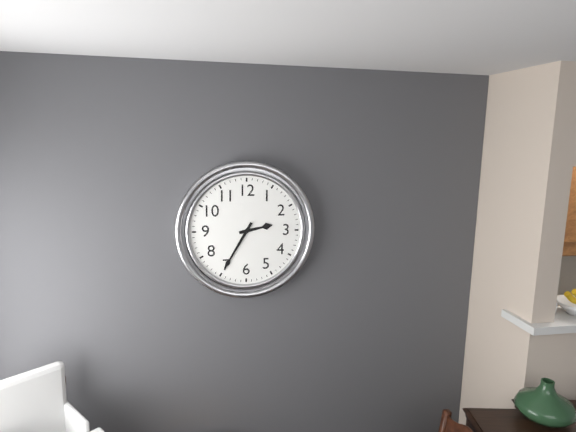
h=2 m=35
